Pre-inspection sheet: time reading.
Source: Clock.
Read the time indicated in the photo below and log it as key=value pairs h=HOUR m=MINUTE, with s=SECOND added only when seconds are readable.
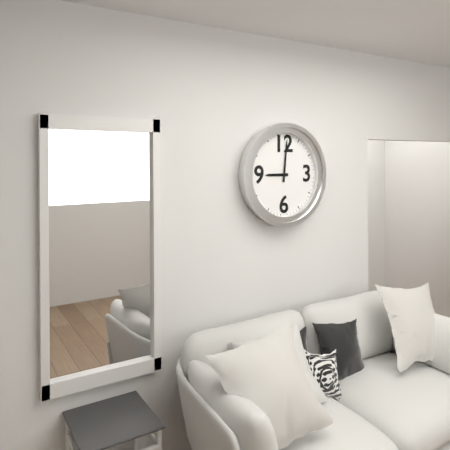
h=9 m=1
